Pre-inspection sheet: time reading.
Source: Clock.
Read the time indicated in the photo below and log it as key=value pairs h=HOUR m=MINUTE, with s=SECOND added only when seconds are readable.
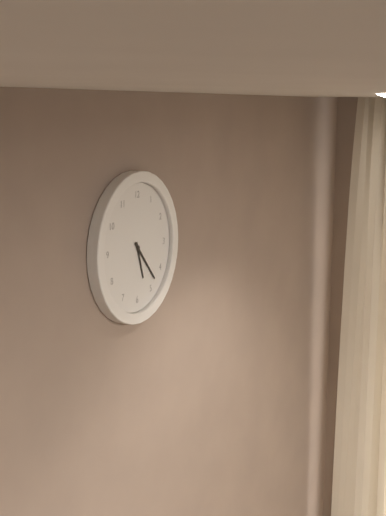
h=5 m=23
